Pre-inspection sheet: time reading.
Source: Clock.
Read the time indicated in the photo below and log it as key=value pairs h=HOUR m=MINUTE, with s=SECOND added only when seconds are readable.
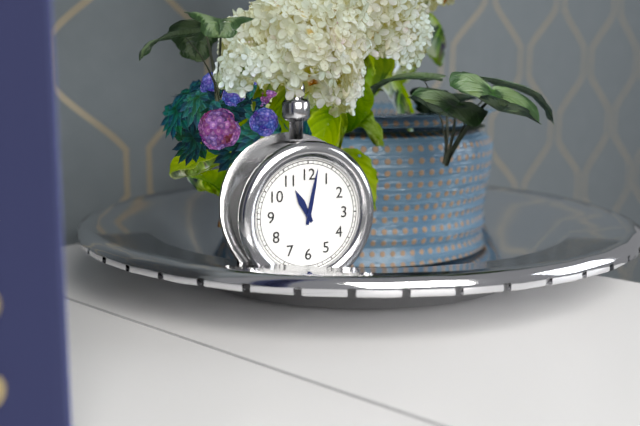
h=11 m=2
